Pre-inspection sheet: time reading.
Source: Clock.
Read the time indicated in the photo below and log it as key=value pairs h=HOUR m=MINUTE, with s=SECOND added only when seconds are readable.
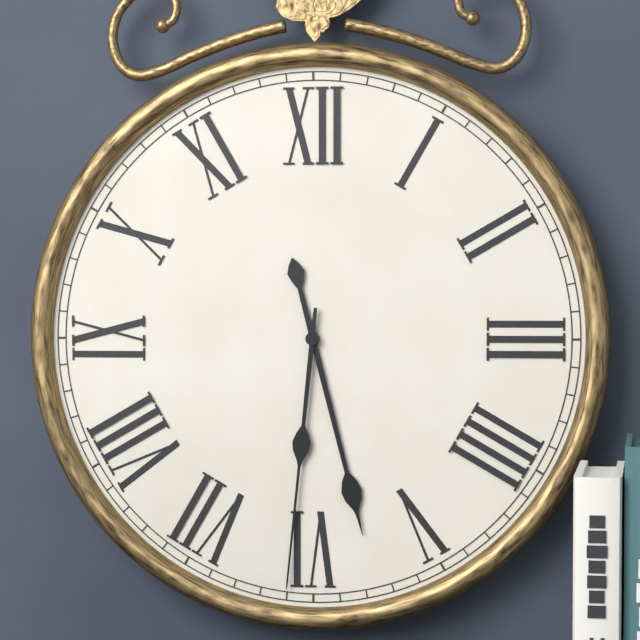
h=5 m=31
